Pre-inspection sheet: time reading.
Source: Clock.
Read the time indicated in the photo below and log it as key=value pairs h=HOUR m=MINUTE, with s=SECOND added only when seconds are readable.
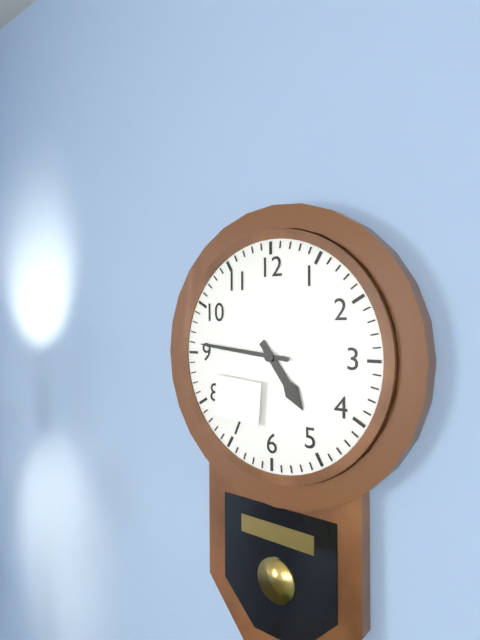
h=4 m=46
